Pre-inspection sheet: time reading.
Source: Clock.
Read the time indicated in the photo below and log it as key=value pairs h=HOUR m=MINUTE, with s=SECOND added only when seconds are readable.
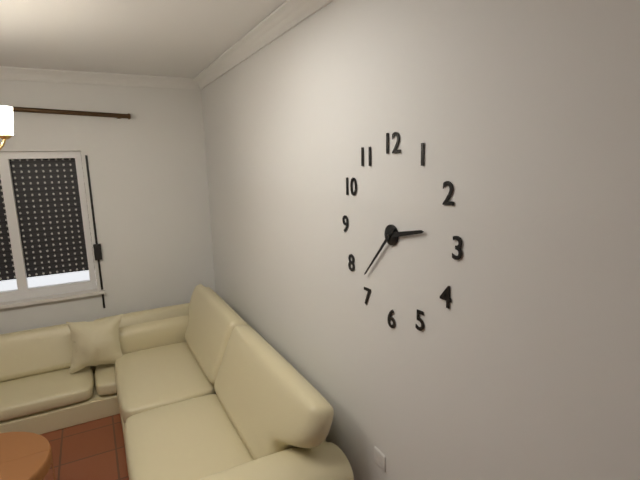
h=2 m=37
